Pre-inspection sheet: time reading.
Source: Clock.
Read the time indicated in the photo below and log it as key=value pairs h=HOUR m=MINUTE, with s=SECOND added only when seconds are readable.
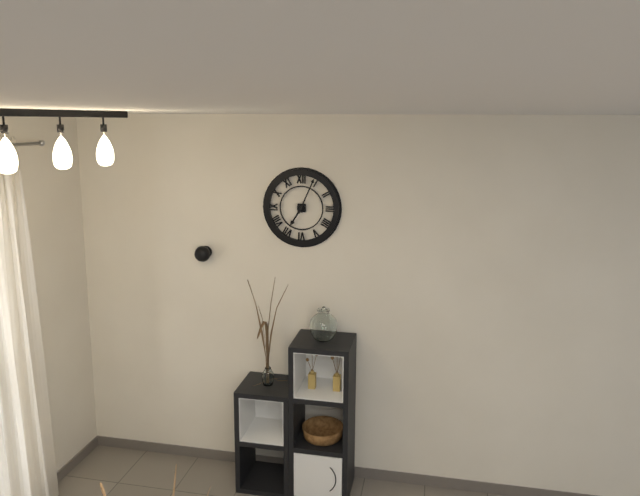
h=7 m=4
